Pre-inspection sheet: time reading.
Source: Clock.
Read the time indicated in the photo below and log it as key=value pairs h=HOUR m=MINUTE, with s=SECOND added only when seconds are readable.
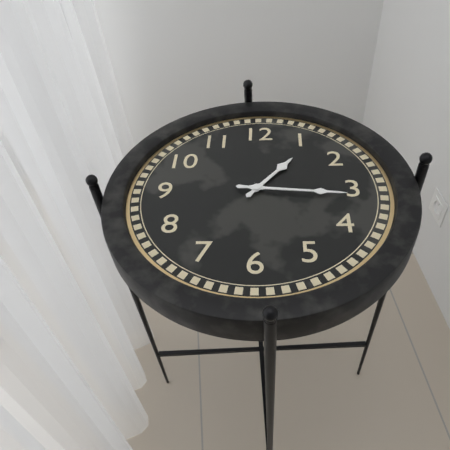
h=1 m=16
